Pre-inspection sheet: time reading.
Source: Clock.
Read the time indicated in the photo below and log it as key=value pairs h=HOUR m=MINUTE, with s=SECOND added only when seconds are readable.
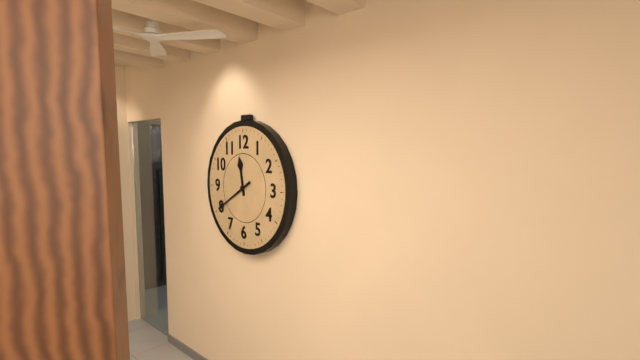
h=11 m=40
